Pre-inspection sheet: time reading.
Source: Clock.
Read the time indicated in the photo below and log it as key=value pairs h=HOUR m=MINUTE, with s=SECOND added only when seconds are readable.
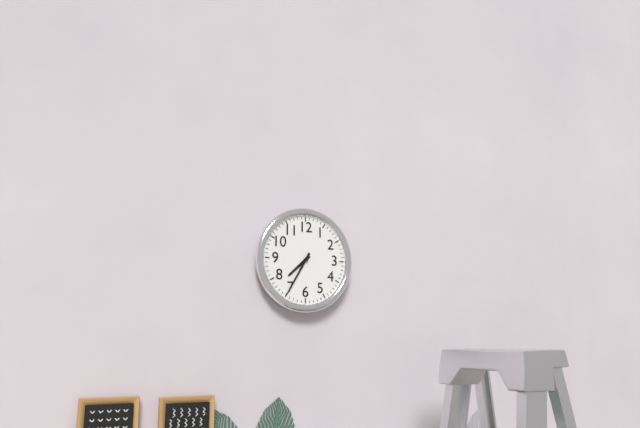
h=7 m=35
